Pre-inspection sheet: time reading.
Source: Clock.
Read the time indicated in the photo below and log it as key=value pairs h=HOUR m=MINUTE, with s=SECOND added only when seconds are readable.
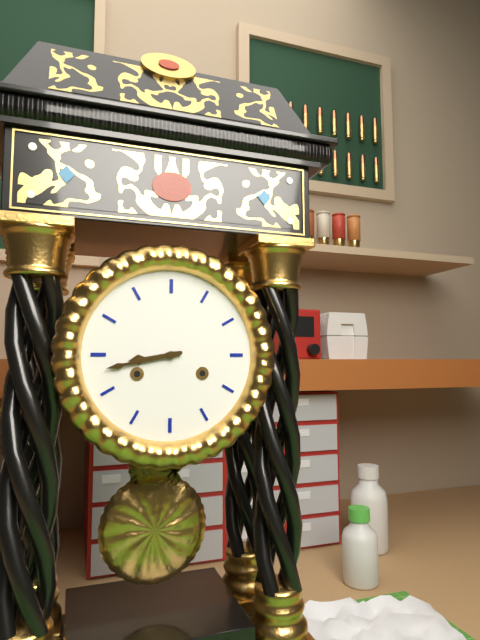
h=8 m=43
